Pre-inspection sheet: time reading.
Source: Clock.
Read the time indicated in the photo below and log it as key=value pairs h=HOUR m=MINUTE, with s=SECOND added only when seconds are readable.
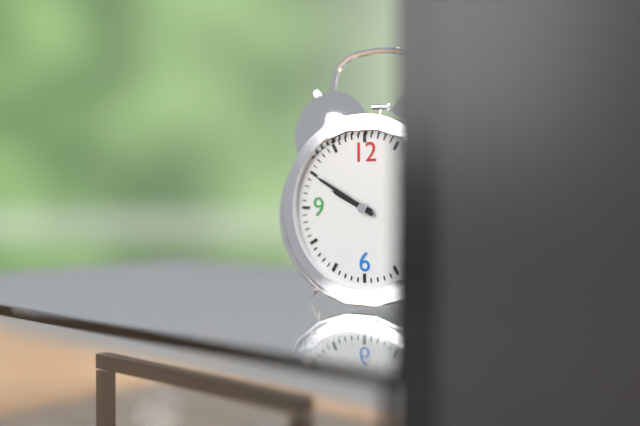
h=9 m=50
